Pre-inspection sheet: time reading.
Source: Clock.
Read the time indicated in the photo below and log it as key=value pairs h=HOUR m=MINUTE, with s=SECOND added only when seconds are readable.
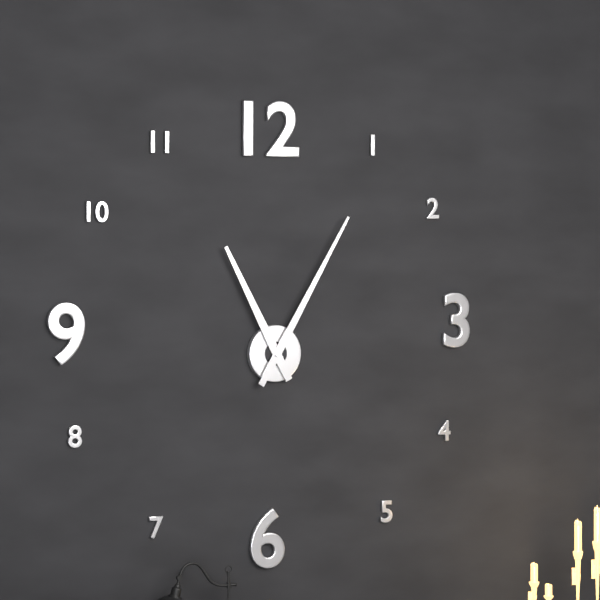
h=11 m=5
